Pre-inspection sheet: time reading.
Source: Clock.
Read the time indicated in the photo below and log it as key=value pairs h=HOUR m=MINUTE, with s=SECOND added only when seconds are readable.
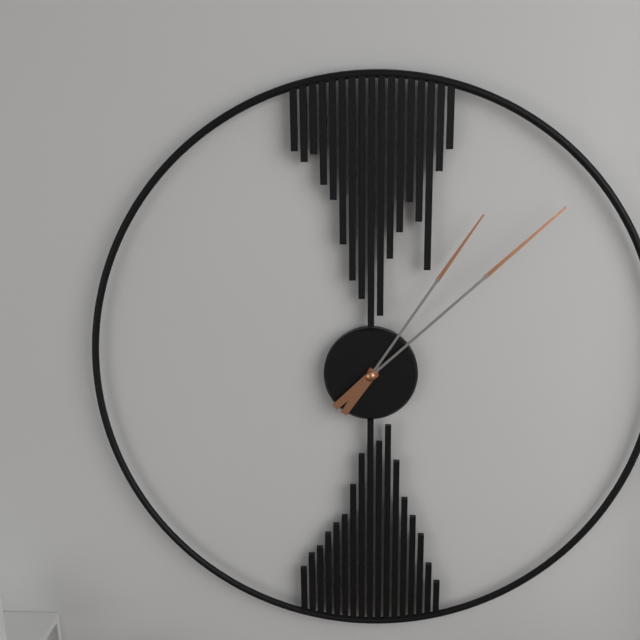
h=1 m=8
